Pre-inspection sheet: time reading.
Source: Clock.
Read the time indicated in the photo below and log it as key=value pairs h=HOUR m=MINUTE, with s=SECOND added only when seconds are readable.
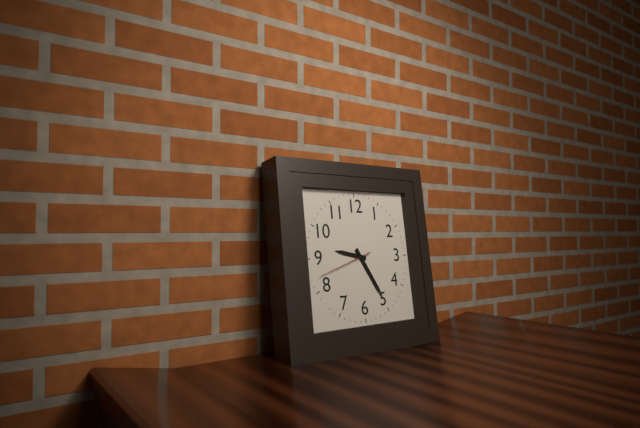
h=9 m=25
